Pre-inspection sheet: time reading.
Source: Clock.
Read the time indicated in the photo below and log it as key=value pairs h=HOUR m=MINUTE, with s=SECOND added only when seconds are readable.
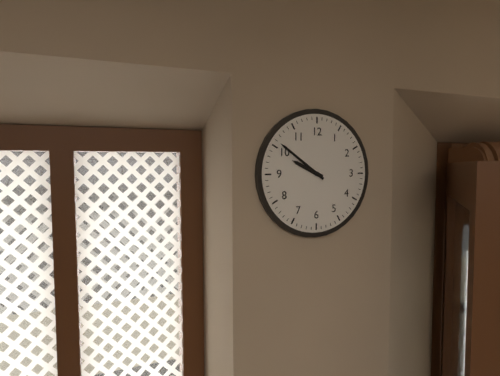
h=9 m=51
